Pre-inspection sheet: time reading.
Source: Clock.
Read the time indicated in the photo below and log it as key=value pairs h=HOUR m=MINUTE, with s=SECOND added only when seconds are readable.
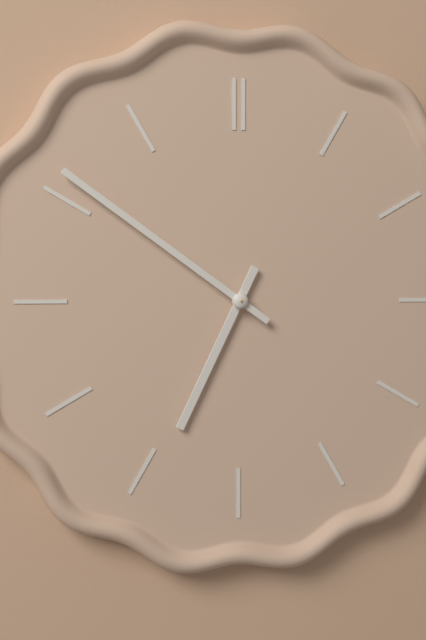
h=6 m=51
